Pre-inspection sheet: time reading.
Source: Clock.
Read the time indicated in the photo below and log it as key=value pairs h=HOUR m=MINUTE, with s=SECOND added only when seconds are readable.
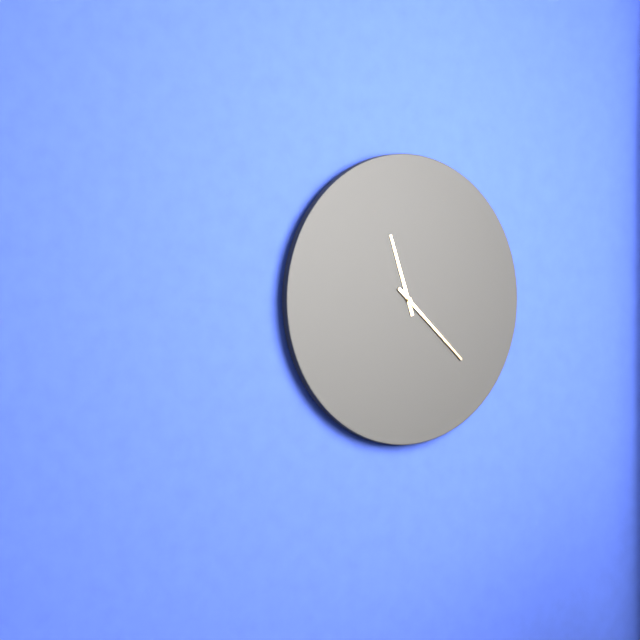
h=11 m=22
